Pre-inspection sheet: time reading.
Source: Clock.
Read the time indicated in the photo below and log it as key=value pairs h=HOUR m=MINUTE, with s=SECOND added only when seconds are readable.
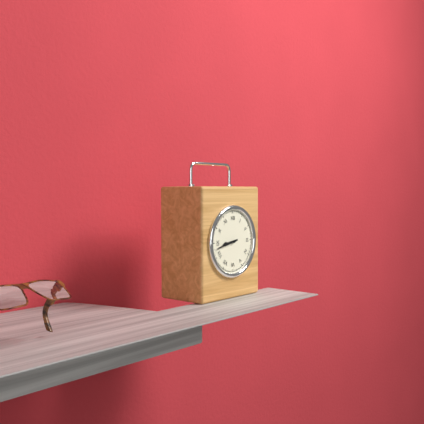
h=8 m=43
